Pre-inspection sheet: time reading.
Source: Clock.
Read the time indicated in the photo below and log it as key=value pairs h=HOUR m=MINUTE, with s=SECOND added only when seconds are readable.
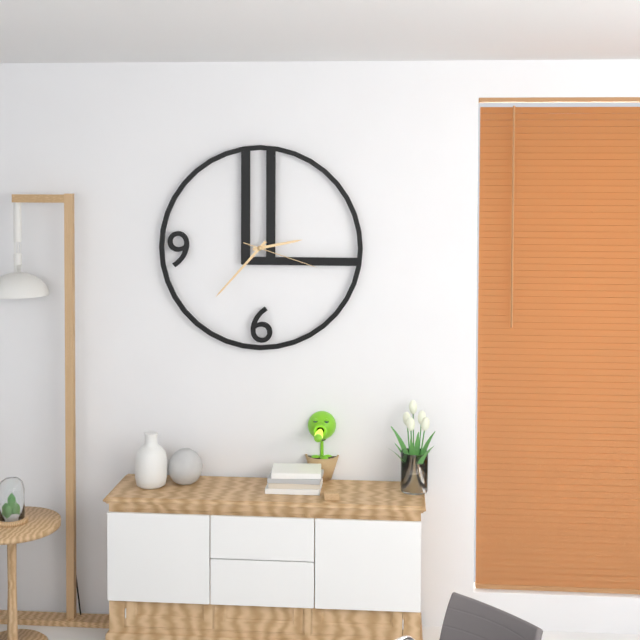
h=2 m=37 s=18
